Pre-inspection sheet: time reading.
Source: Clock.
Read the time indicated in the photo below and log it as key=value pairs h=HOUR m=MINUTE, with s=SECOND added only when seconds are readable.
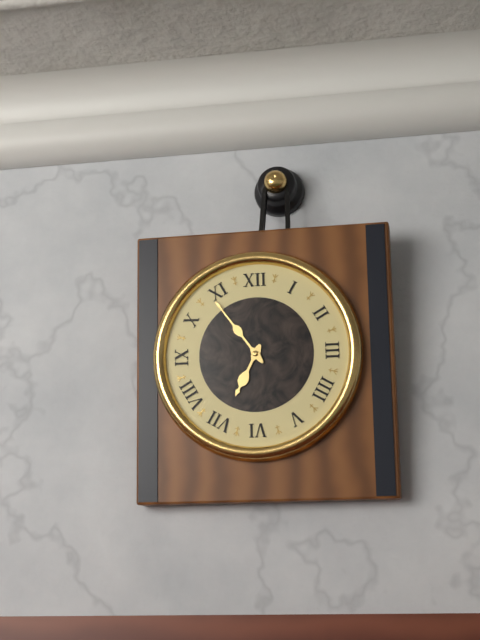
h=6 m=54
